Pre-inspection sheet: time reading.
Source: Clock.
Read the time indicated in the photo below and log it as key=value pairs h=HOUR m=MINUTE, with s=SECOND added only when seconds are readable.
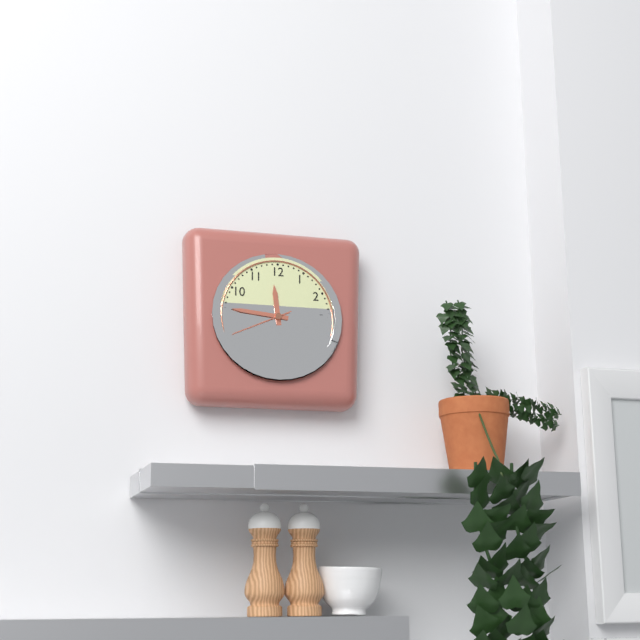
h=11 m=46
